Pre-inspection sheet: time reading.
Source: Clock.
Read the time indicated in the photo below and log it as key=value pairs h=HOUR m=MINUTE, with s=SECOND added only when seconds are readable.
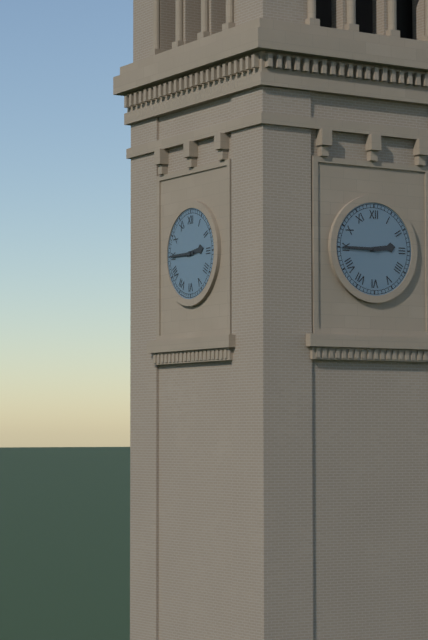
h=2 m=45
